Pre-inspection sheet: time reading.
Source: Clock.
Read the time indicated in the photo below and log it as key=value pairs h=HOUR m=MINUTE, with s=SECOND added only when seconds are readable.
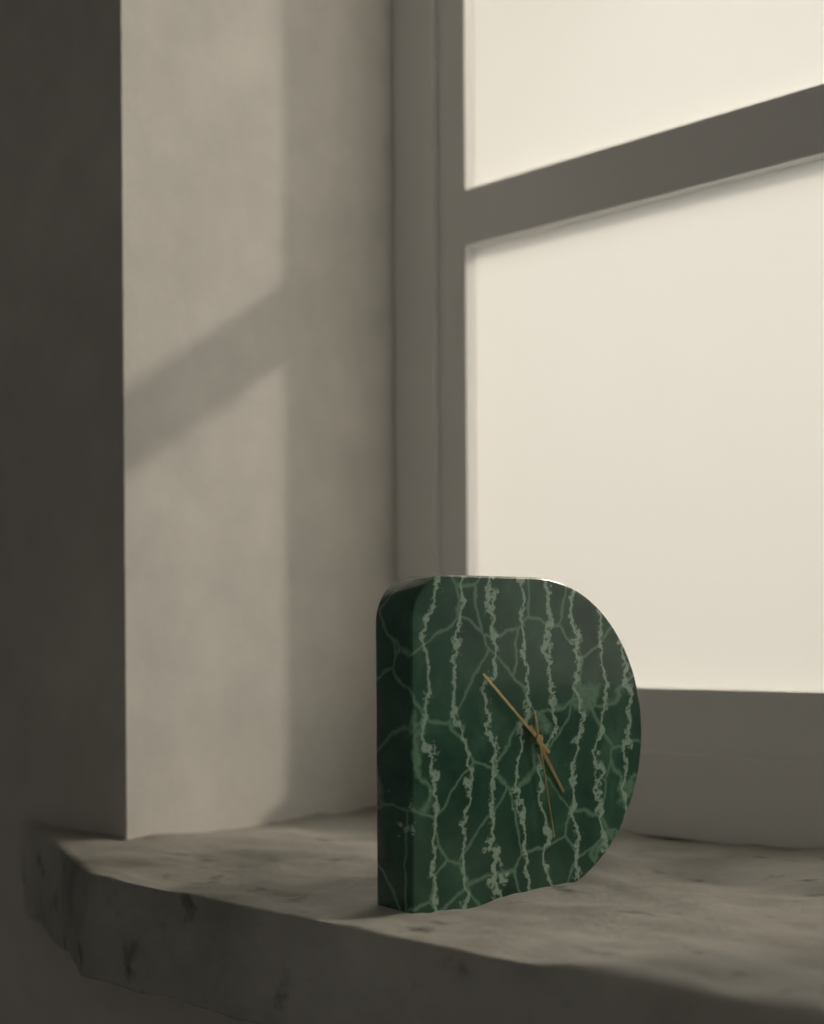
h=4 m=52 s=28
